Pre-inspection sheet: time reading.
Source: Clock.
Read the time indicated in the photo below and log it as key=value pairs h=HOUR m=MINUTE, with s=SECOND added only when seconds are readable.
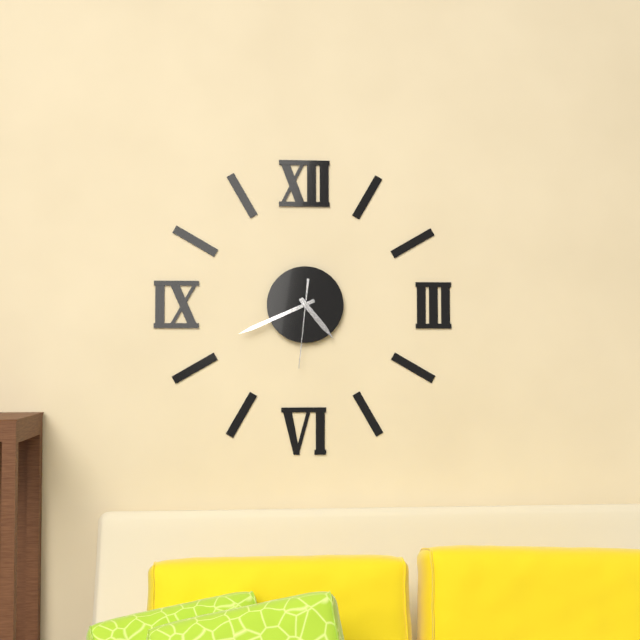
h=4 m=41 s=31
